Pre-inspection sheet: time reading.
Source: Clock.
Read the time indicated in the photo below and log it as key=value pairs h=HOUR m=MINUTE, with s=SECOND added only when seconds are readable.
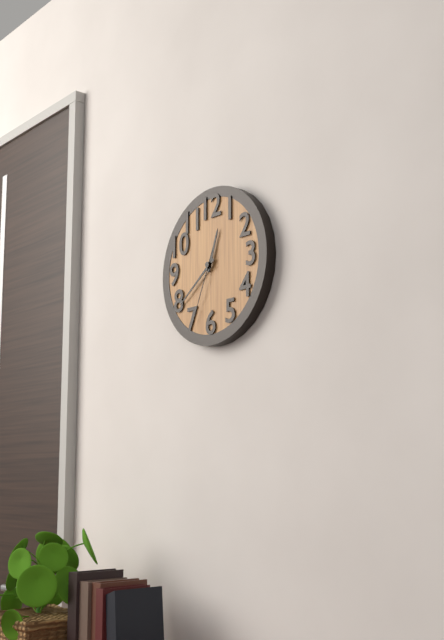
h=12 m=39 s=34
